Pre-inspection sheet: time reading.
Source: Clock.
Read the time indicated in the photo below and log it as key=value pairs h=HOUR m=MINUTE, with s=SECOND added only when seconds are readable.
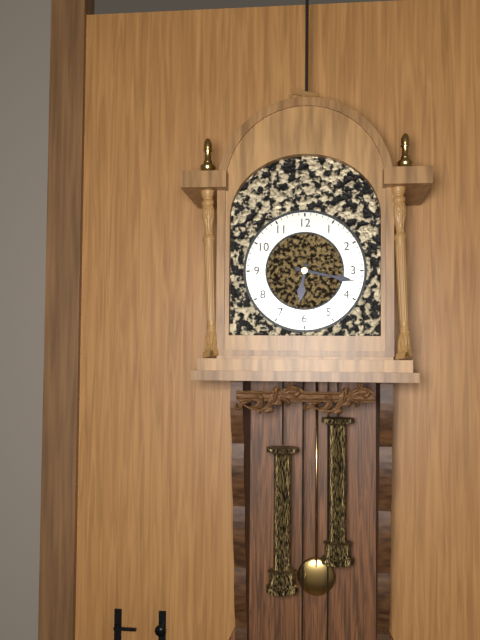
h=6 m=17
